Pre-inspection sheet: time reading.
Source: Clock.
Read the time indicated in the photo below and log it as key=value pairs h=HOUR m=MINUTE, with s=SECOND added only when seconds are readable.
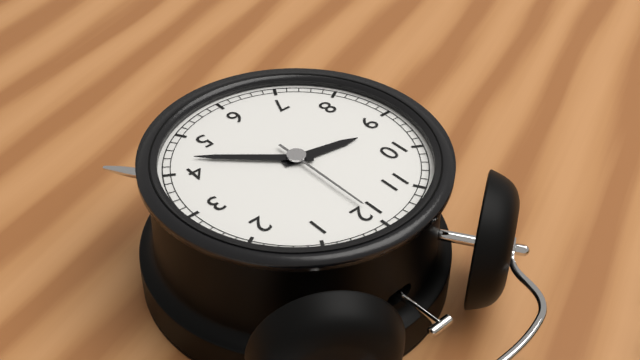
h=9 m=22 s=0
